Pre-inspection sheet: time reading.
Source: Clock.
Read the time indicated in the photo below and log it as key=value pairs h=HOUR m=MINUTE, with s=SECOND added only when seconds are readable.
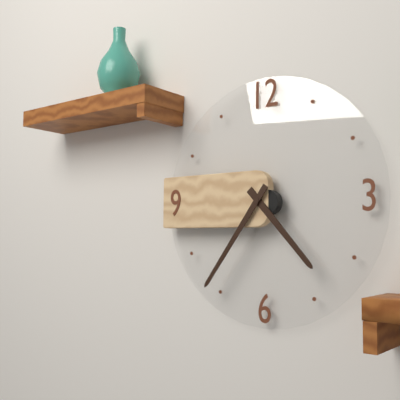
h=4 m=36
